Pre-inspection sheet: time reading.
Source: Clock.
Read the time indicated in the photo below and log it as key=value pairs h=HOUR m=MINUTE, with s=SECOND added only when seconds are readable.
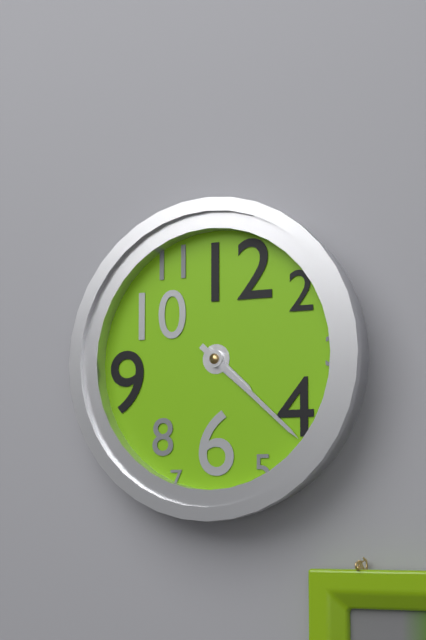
h=4 m=22
